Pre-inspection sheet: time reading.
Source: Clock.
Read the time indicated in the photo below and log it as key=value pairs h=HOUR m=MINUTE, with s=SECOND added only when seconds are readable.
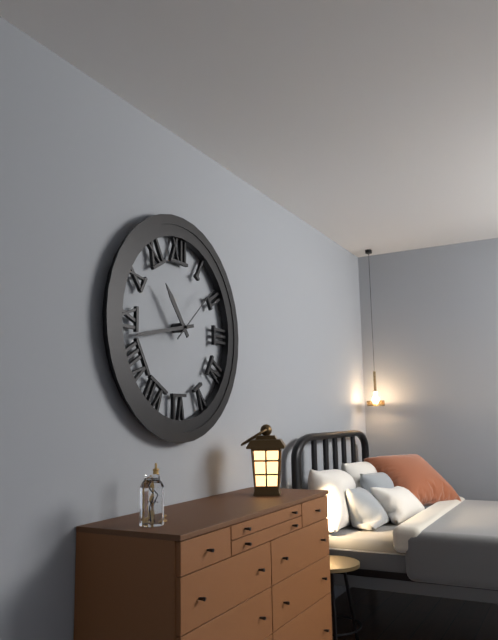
h=10 m=43 s=8
